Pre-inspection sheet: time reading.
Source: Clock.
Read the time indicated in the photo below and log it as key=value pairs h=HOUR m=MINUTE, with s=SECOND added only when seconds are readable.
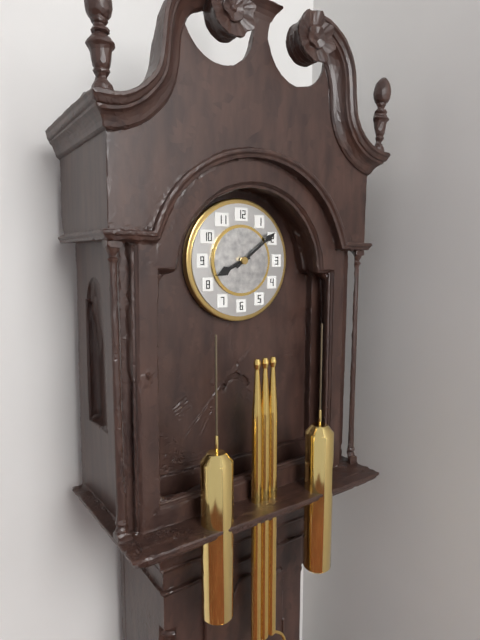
h=8 m=9
